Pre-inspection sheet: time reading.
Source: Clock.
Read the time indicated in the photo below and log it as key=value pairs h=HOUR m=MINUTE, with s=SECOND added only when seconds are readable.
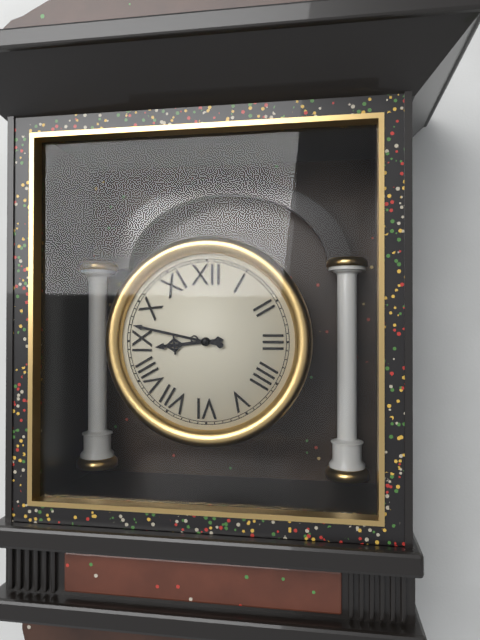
h=8 m=47
